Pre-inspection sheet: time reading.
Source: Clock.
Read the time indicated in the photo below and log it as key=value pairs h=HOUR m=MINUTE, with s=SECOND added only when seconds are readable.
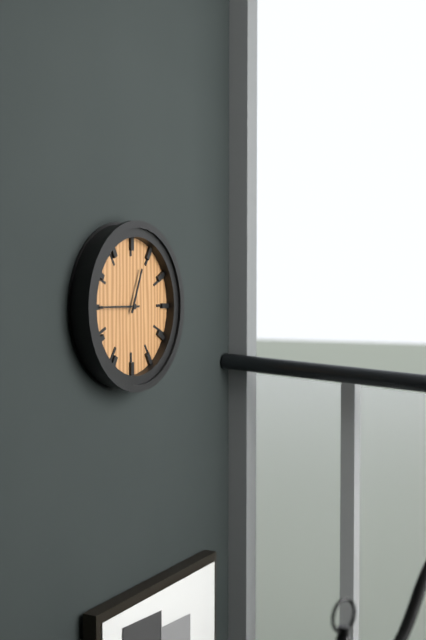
h=12 m=45
